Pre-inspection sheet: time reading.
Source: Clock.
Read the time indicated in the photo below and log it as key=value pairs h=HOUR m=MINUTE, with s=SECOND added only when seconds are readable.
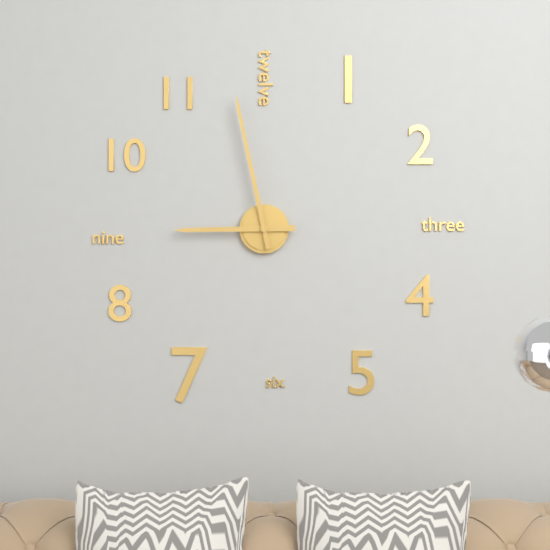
h=8 m=58
